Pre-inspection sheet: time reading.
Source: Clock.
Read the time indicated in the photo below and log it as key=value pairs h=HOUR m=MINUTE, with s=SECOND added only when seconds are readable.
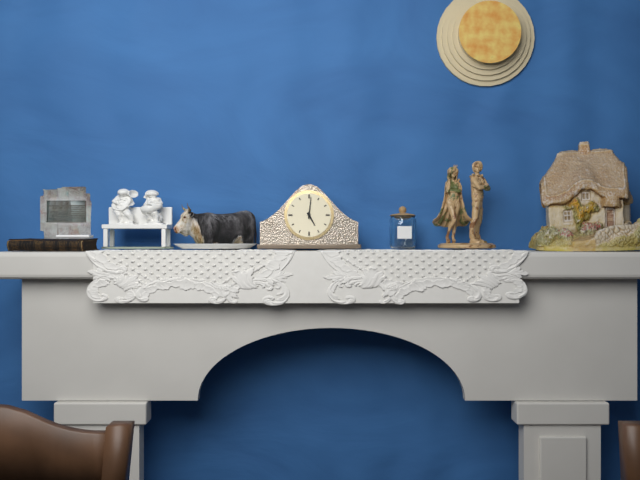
h=5 m=1
